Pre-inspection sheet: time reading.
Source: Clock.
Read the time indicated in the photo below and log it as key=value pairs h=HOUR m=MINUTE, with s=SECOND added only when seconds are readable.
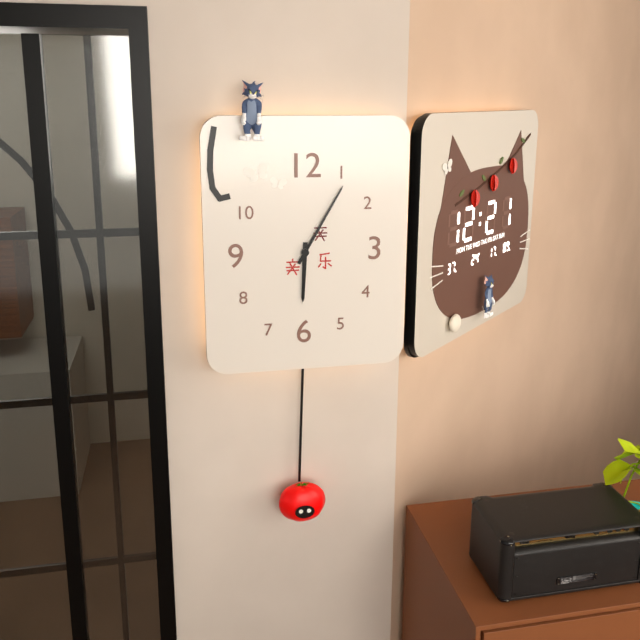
h=6 m=5
